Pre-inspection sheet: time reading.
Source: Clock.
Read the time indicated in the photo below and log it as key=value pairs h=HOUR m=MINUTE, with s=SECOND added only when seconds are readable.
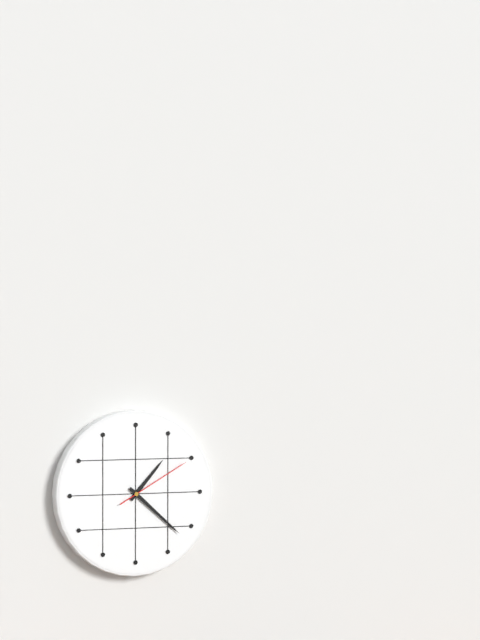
h=1 m=22 s=10
